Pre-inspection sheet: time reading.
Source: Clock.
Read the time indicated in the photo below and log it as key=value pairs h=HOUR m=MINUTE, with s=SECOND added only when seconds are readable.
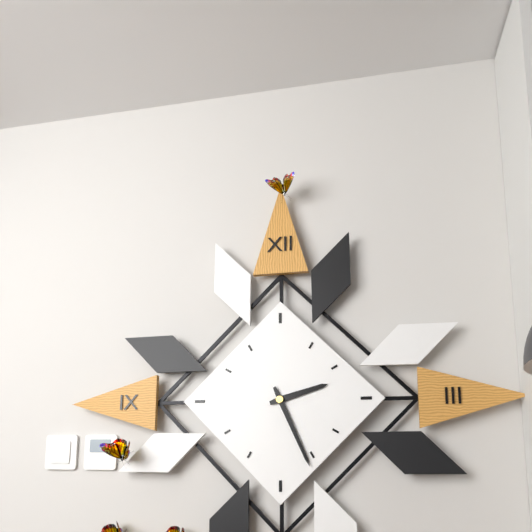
h=2 m=26
